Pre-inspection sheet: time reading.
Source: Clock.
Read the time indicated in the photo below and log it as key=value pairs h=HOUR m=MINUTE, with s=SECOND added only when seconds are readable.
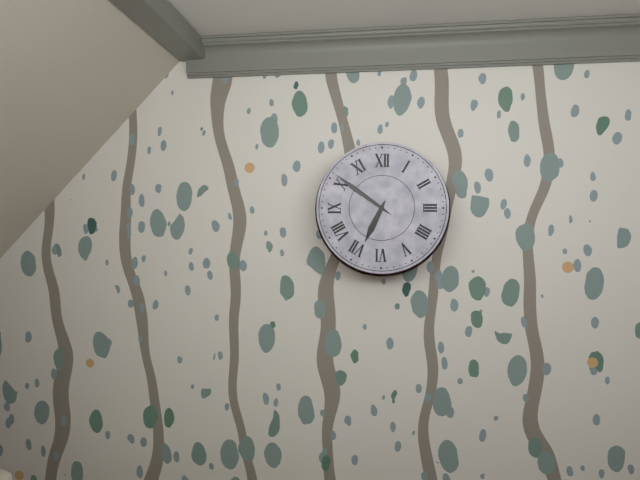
h=6 m=51
